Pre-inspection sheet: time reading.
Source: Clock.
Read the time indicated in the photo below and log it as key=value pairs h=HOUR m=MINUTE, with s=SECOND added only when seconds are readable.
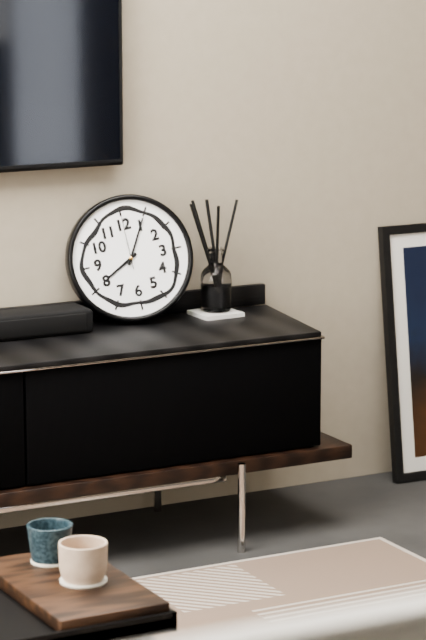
h=8 m=5 s=0
